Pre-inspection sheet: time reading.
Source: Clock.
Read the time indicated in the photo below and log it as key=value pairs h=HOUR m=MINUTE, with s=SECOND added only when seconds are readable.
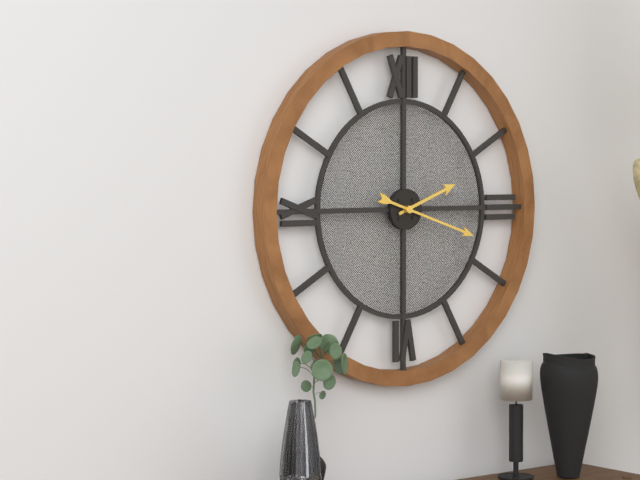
h=2 m=18
